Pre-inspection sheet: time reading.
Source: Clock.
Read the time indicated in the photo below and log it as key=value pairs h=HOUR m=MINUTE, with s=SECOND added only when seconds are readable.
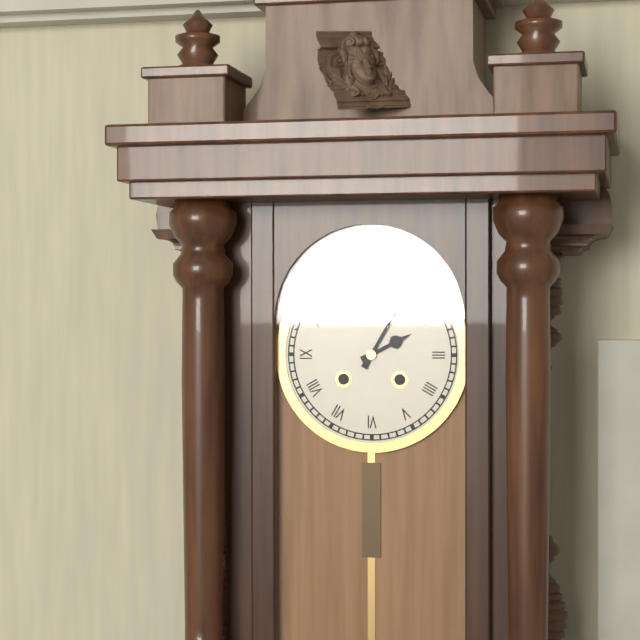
h=2 m=5
